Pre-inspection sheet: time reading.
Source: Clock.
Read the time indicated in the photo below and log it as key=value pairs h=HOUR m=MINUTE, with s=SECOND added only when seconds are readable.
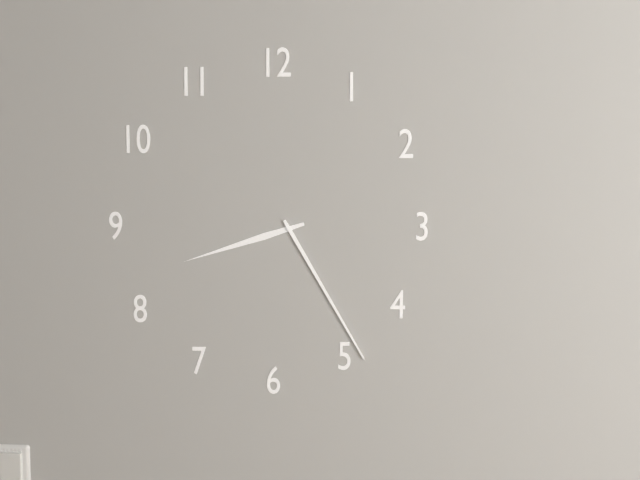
h=8 m=25
